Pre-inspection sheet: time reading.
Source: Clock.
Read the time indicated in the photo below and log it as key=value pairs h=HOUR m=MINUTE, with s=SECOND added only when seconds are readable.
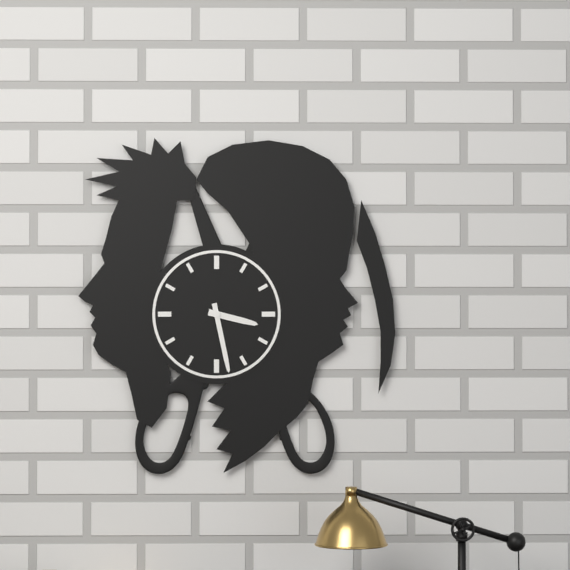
h=3 m=28
